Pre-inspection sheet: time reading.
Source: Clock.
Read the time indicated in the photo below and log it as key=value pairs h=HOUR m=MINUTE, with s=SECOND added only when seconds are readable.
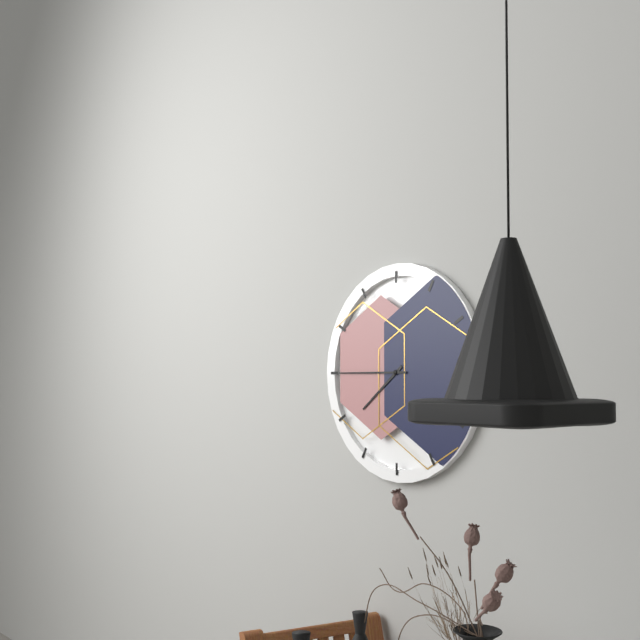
h=7 m=45
